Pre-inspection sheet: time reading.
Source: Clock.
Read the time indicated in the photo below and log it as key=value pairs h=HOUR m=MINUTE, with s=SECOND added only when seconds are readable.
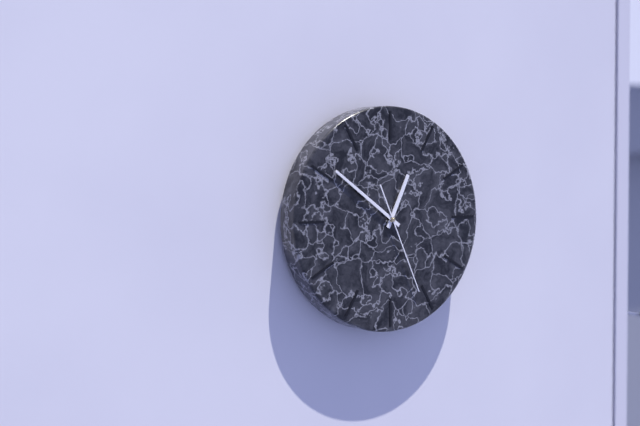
h=12 m=51 s=26
